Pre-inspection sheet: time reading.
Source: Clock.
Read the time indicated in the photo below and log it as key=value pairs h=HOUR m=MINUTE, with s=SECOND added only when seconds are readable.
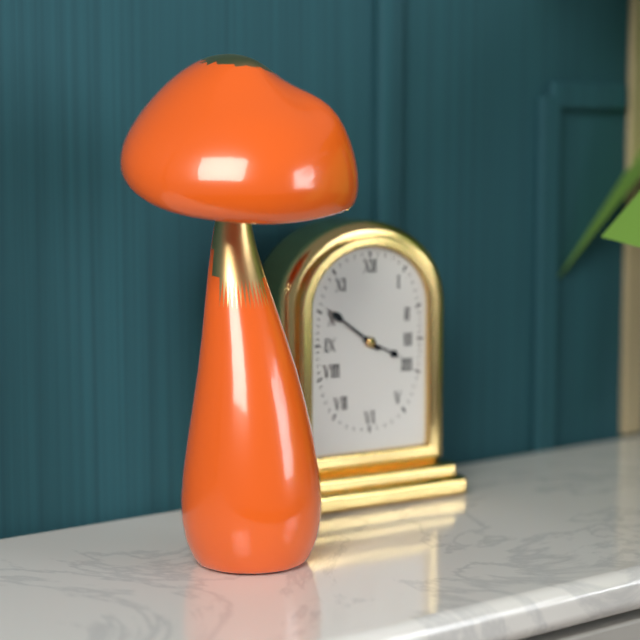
h=3 m=51
